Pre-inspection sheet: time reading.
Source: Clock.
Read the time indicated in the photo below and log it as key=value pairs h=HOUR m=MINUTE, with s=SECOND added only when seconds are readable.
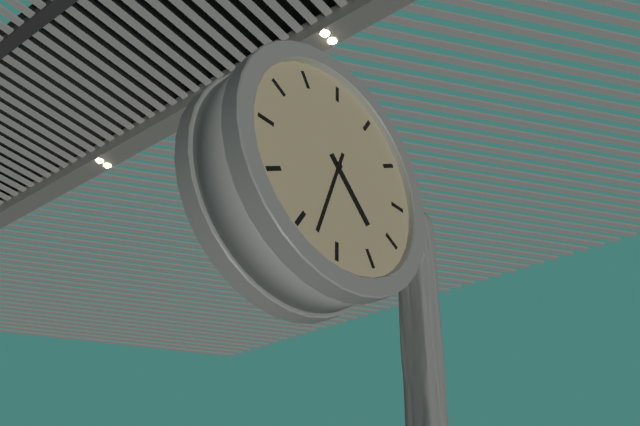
h=4 m=33
